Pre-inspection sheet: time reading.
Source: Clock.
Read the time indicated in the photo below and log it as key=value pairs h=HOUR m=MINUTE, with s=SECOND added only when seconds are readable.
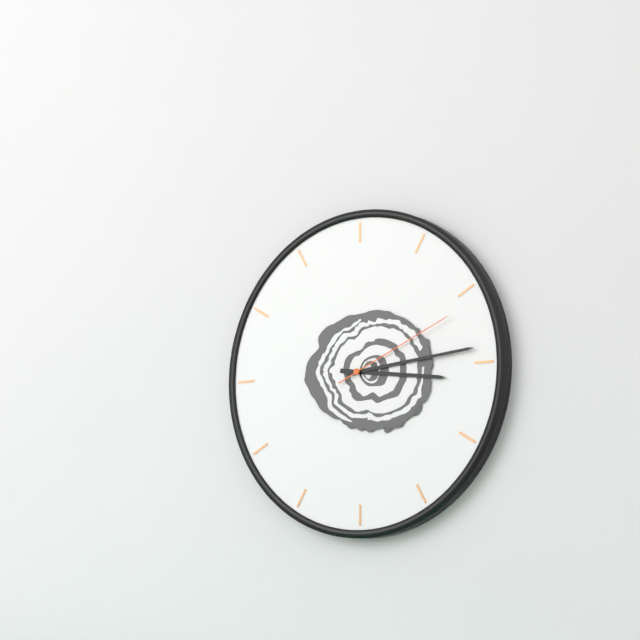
h=3 m=14 s=11
